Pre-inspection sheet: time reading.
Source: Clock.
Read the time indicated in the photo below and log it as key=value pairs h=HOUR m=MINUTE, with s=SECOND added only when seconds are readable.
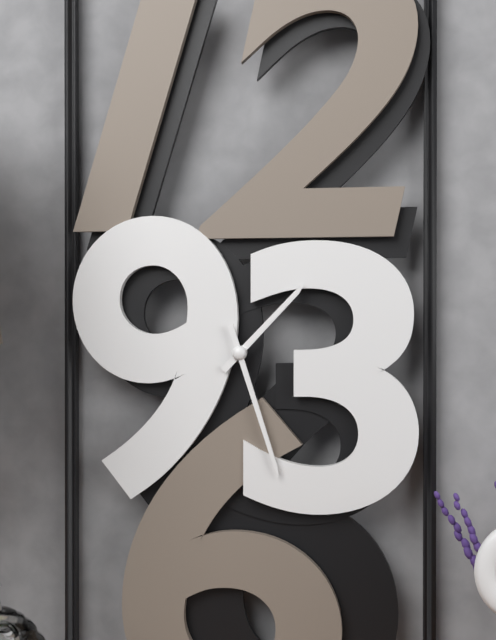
h=1 m=27
